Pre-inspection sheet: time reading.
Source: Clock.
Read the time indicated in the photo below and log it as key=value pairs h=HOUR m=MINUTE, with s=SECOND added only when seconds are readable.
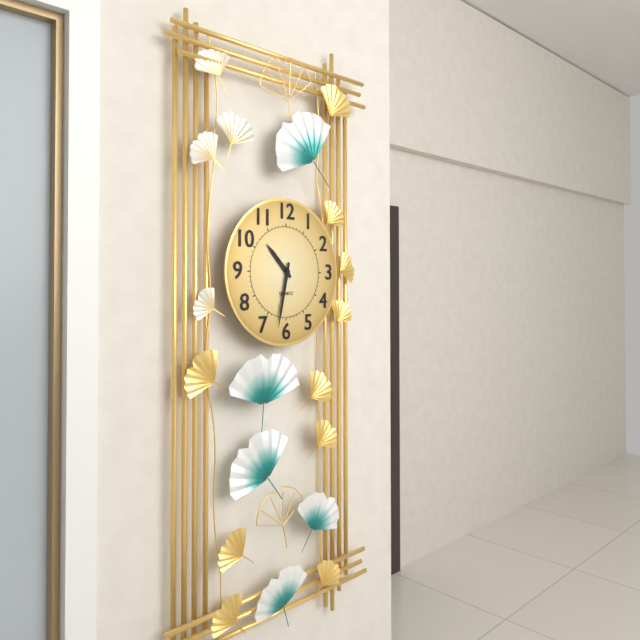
h=10 m=32
